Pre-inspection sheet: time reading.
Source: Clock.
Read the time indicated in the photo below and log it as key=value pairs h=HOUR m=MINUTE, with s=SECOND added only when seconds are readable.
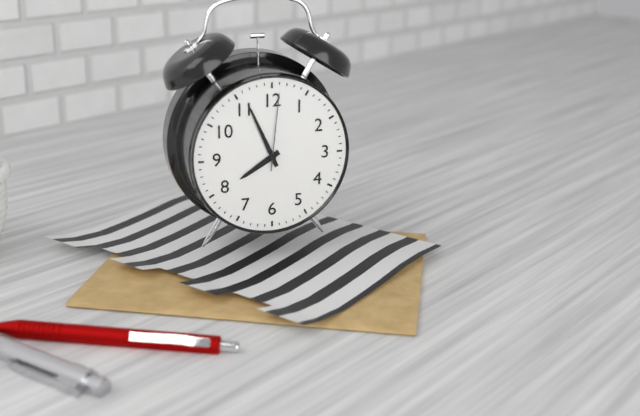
h=7 m=56 s=1
